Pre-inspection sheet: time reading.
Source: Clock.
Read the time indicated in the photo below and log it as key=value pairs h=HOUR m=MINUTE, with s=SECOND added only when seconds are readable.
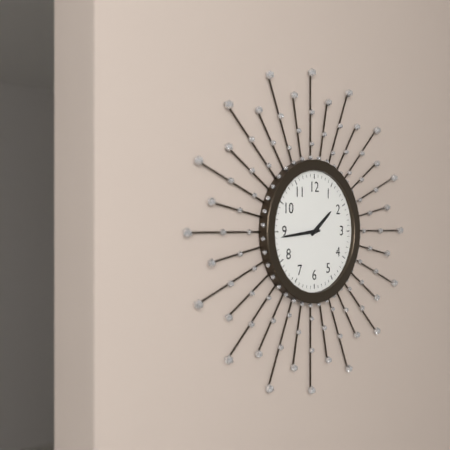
h=1 m=44
